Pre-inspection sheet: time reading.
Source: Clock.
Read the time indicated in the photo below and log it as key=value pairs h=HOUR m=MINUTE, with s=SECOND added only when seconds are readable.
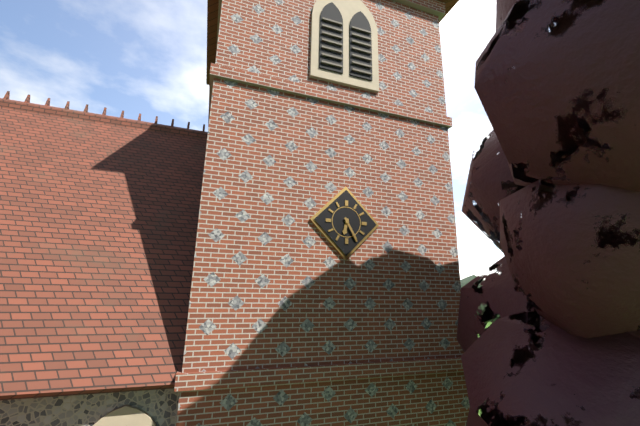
h=6 m=25
